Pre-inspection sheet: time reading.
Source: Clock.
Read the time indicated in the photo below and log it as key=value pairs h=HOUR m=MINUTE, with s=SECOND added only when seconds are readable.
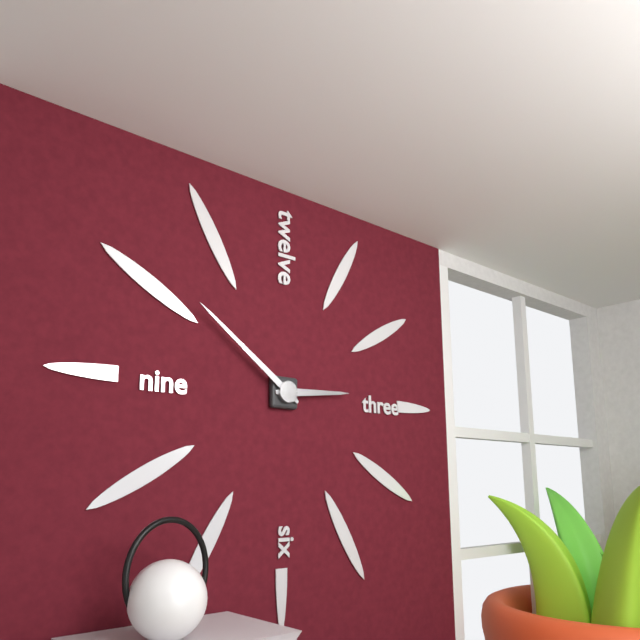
h=2 m=51
